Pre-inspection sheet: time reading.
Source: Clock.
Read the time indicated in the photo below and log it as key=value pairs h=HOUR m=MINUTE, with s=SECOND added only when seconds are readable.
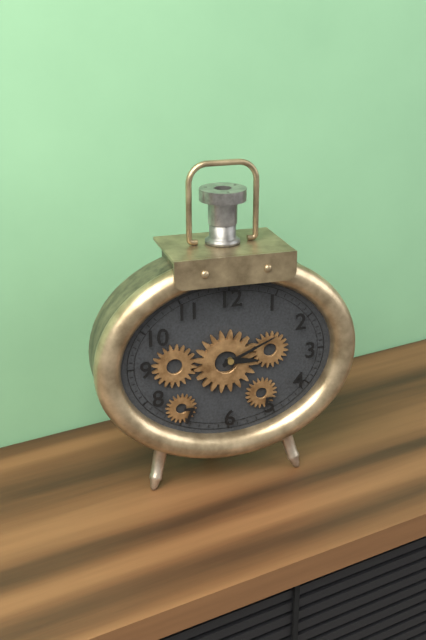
h=3 m=11
